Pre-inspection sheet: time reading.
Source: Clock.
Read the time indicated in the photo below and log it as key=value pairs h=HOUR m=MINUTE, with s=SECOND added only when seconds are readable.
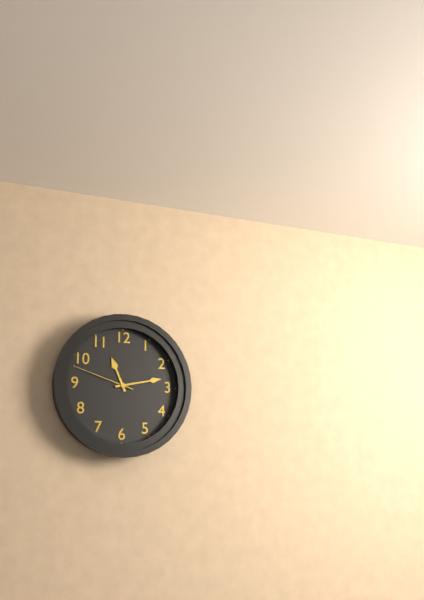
h=11 m=13 s=48
